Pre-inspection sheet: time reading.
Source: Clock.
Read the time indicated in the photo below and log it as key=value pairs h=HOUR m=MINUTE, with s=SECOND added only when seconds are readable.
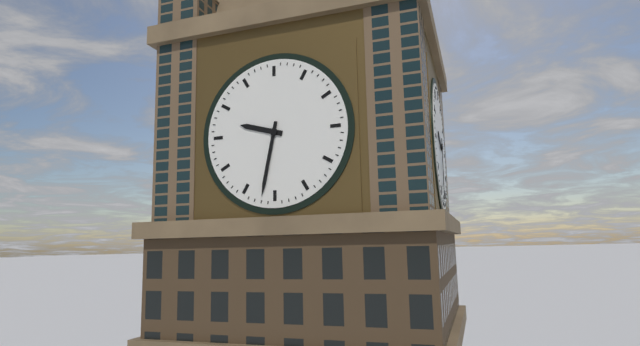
h=9 m=32
